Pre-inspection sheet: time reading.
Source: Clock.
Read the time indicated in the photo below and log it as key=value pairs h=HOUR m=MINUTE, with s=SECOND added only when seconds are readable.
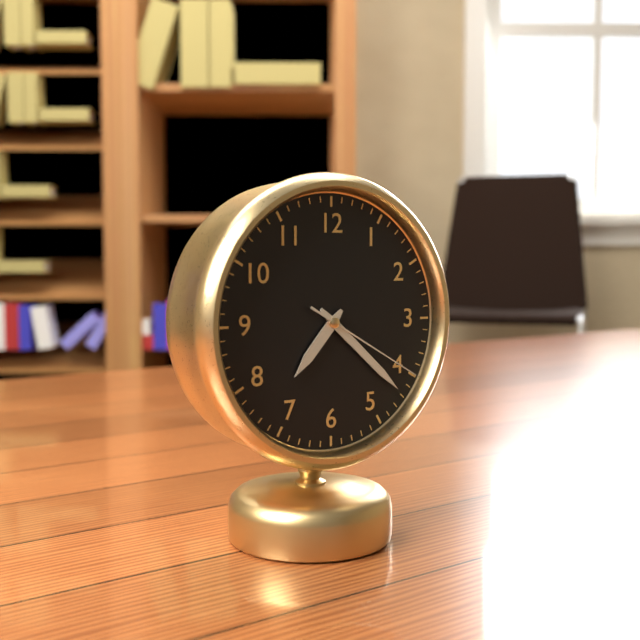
h=7 m=22 s=20
